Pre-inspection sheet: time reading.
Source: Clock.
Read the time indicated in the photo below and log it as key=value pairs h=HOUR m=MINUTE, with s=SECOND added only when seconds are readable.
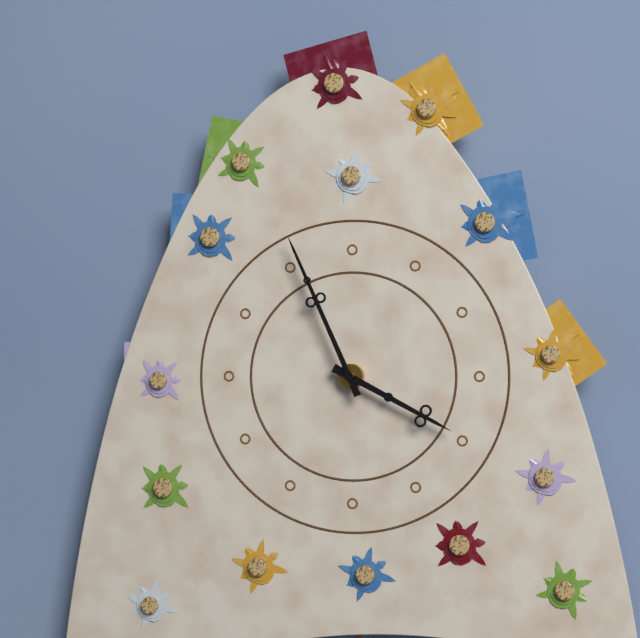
h=3 m=56
